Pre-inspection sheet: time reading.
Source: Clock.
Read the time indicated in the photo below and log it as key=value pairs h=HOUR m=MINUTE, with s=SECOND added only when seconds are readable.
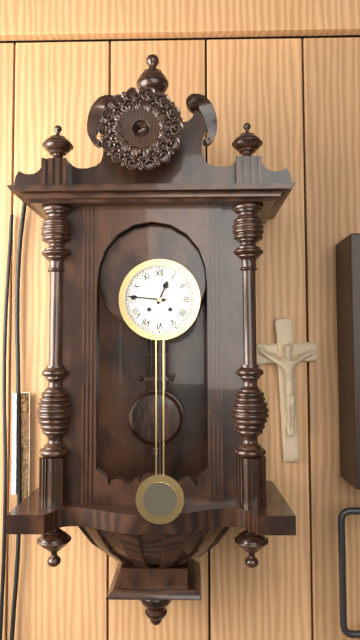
h=12 m=46
